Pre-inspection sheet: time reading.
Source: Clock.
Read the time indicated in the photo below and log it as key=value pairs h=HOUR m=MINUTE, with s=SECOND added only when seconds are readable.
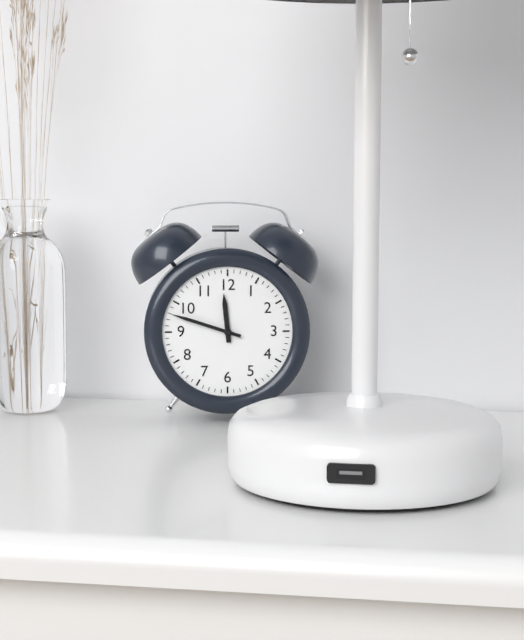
h=11 m=48
